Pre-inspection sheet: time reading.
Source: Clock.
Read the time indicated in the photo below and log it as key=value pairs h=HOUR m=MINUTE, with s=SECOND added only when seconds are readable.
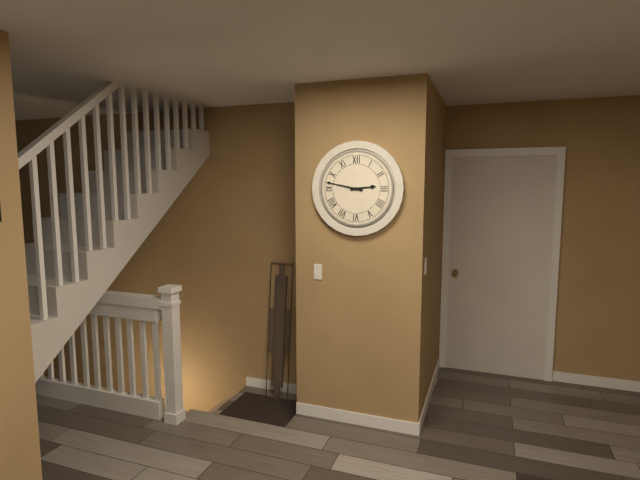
h=2 m=47
